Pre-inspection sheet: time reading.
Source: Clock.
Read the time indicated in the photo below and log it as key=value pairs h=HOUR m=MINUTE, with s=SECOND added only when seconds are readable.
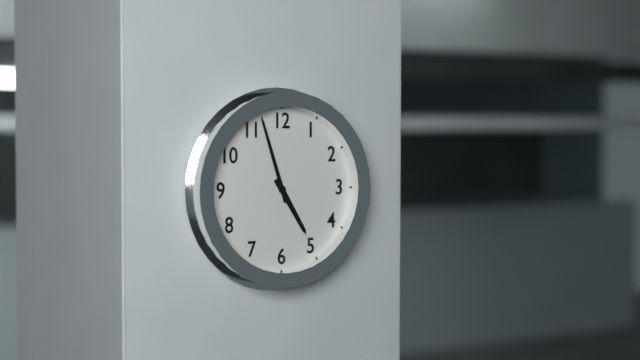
h=4 m=57
